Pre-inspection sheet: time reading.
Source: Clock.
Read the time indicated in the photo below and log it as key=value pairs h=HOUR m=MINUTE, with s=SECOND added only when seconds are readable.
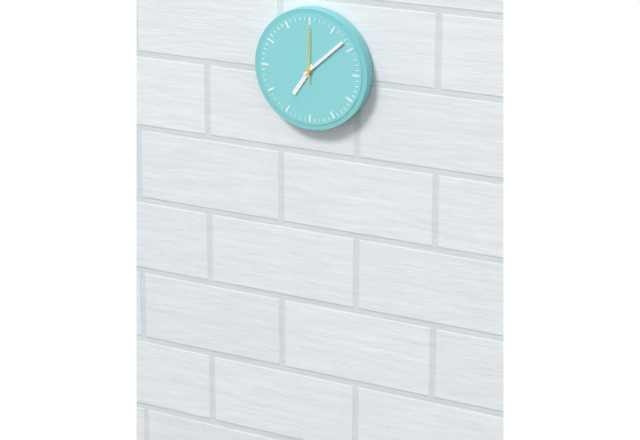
h=7 m=8 s=0
